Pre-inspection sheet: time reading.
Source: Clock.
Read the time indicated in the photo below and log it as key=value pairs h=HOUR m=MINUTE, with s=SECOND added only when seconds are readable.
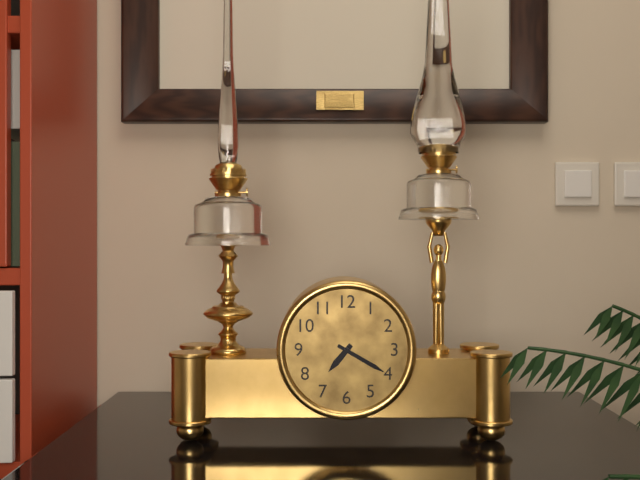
h=7 m=20
